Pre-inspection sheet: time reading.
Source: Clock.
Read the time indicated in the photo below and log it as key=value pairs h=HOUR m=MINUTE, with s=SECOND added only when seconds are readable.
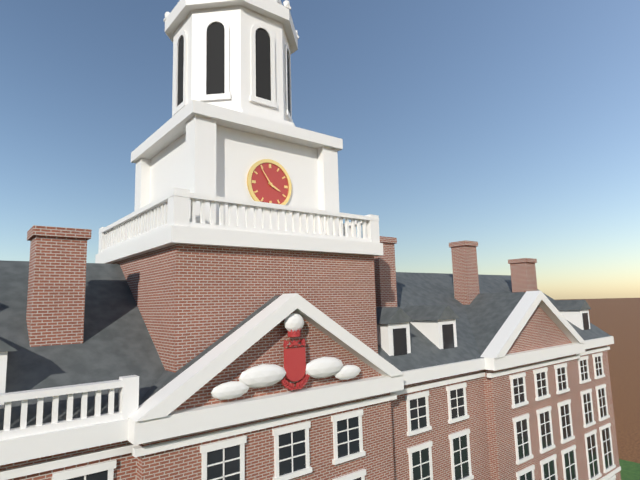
h=3 m=54
